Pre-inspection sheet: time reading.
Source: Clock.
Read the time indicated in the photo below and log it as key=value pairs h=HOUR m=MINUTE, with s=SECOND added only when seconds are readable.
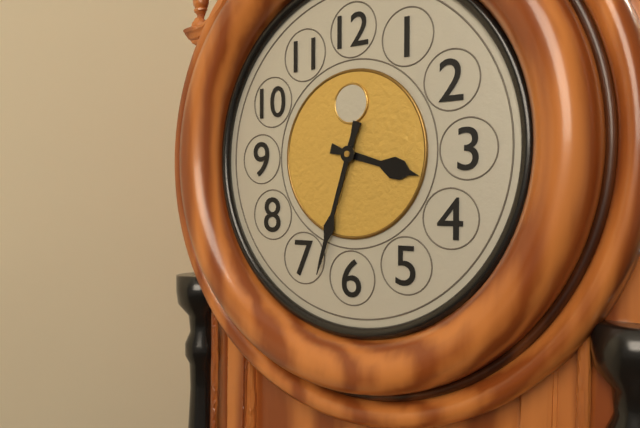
h=3 m=33
